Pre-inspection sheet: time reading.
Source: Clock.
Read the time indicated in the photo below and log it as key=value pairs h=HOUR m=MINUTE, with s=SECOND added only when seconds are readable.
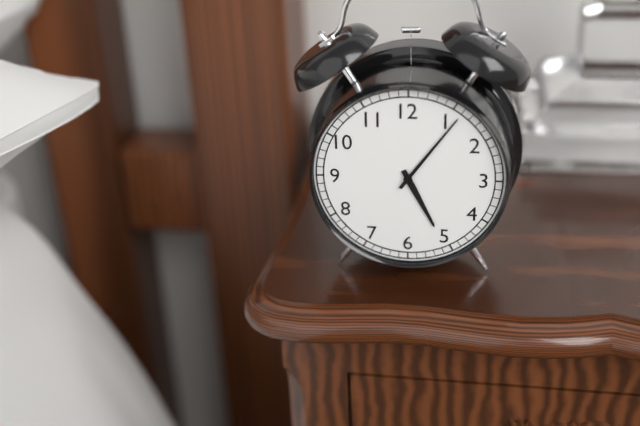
h=5 m=6
